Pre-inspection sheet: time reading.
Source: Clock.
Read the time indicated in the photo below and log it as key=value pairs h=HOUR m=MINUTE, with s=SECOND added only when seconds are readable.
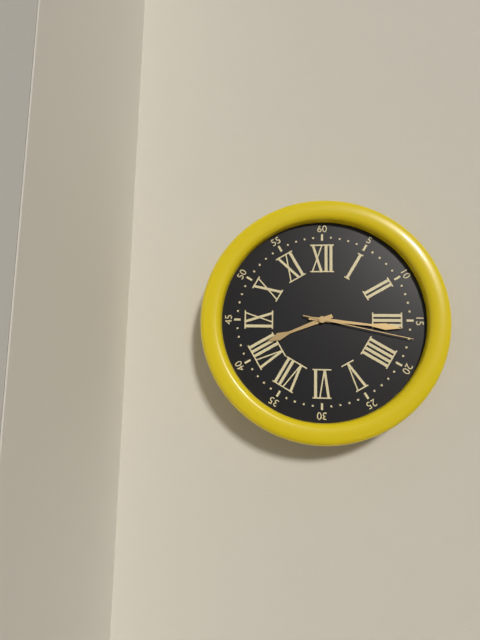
h=8 m=16 s=17
